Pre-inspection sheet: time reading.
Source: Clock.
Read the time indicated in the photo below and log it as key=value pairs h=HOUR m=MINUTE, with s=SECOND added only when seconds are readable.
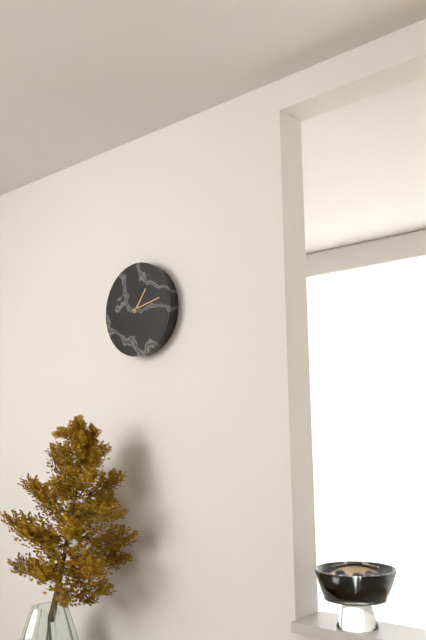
h=1 m=13
